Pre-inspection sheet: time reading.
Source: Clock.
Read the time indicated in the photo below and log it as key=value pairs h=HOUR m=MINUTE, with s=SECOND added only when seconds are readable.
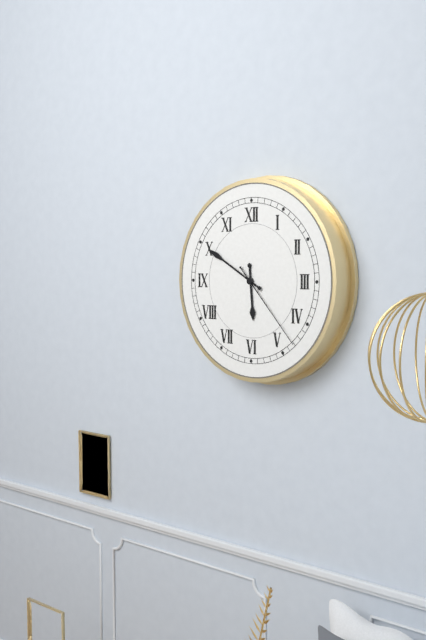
h=5 m=50 s=23
